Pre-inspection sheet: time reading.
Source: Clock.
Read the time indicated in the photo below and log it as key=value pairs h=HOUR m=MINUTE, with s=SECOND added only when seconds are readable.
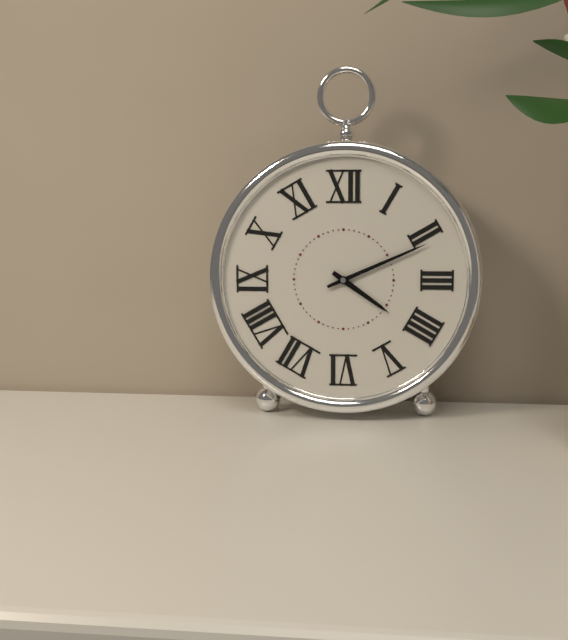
h=4 m=11
